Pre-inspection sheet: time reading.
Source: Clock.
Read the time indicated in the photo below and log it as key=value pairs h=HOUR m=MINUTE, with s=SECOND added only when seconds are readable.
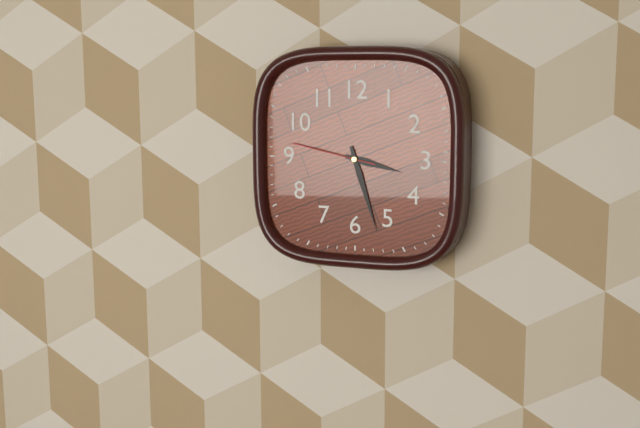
h=3 m=27 s=47
